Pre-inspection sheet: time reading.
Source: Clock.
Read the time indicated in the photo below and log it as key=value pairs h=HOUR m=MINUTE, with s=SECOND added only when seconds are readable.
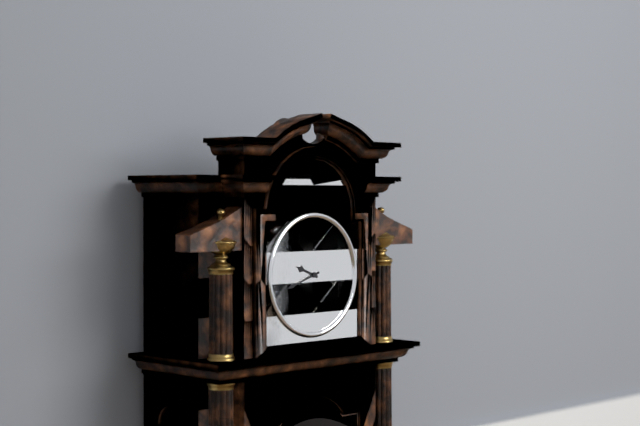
h=9 m=42
